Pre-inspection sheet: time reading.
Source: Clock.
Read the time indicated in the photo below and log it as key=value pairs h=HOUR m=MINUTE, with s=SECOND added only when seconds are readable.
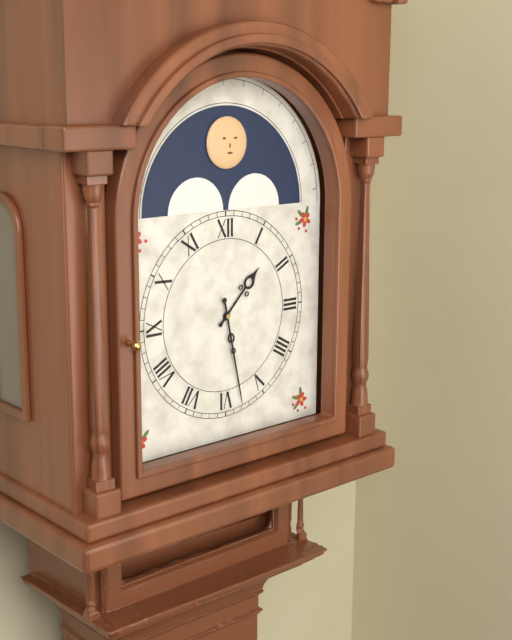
h=1 m=28
